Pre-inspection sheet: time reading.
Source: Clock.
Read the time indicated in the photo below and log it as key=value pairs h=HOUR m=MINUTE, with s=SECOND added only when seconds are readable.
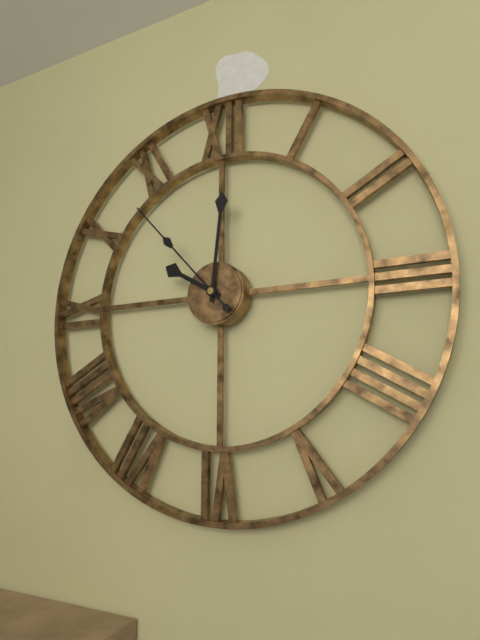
h=10 m=1 s=53
